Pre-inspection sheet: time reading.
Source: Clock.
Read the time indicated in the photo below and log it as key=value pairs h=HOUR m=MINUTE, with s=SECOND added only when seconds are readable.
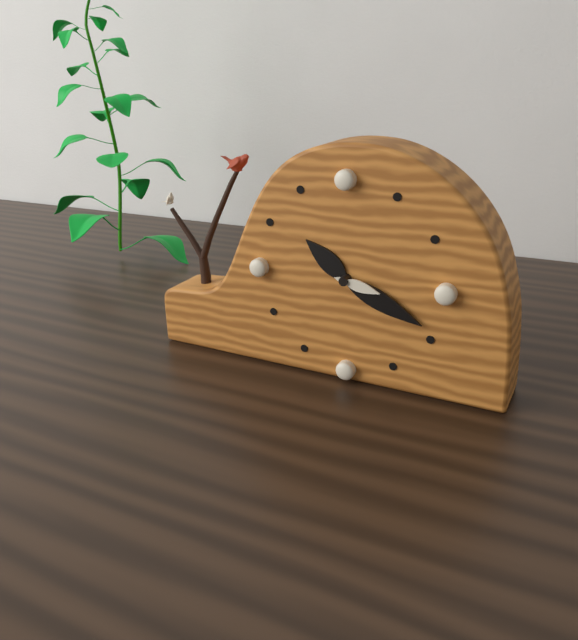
h=10 m=19
